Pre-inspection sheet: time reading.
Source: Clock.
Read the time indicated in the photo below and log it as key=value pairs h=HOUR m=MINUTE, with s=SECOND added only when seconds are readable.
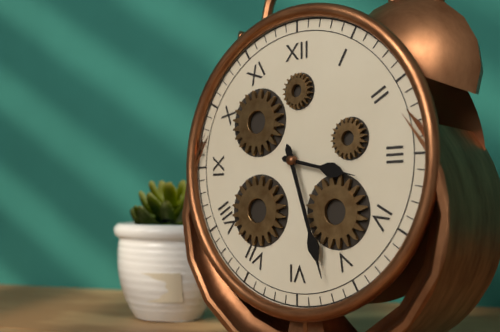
h=3 m=27
